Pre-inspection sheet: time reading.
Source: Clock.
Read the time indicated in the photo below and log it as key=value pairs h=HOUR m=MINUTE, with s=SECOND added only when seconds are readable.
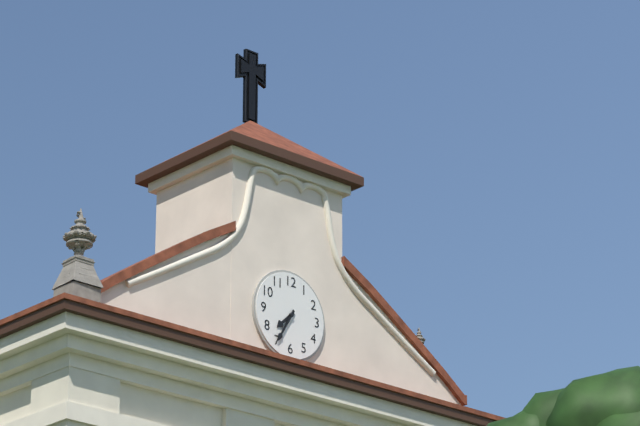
h=7 m=35
